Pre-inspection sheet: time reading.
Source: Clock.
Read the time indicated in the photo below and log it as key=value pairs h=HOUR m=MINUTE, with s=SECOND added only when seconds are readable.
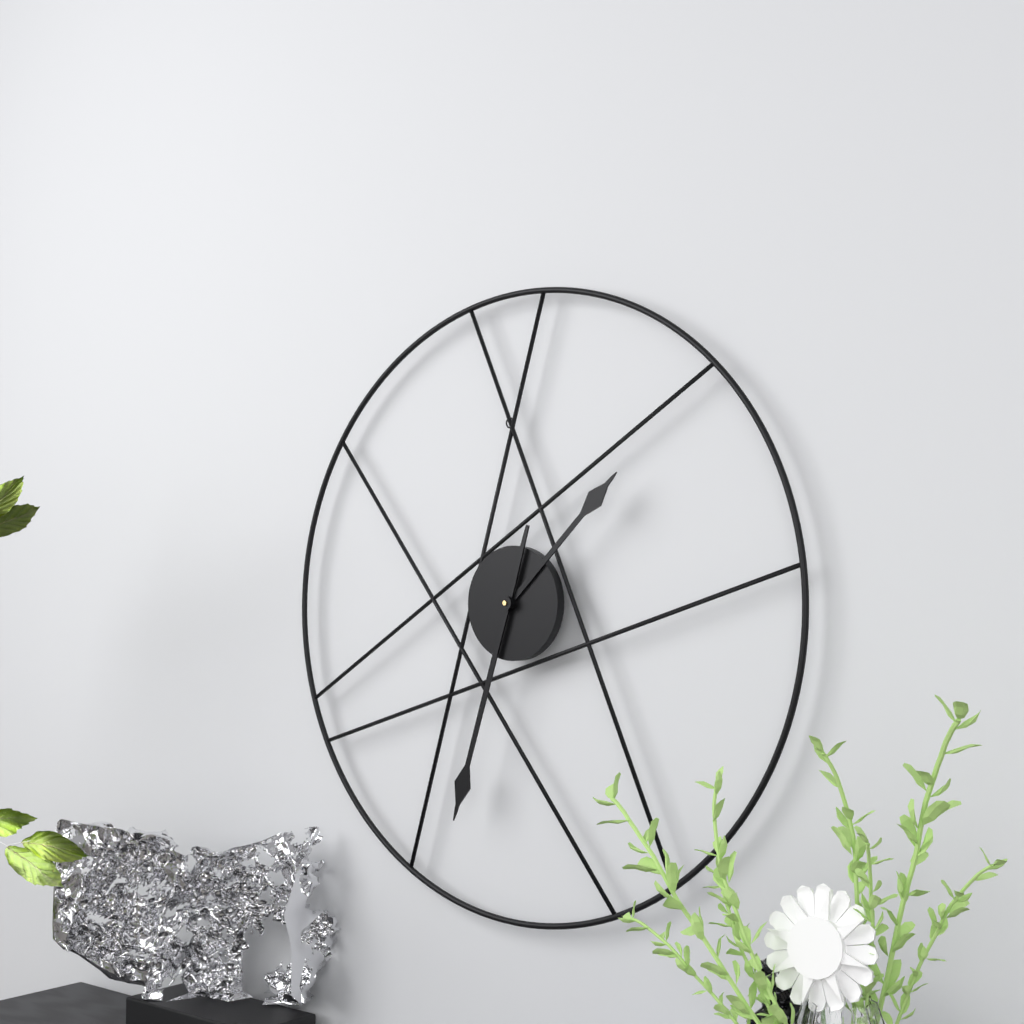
h=1 m=33
